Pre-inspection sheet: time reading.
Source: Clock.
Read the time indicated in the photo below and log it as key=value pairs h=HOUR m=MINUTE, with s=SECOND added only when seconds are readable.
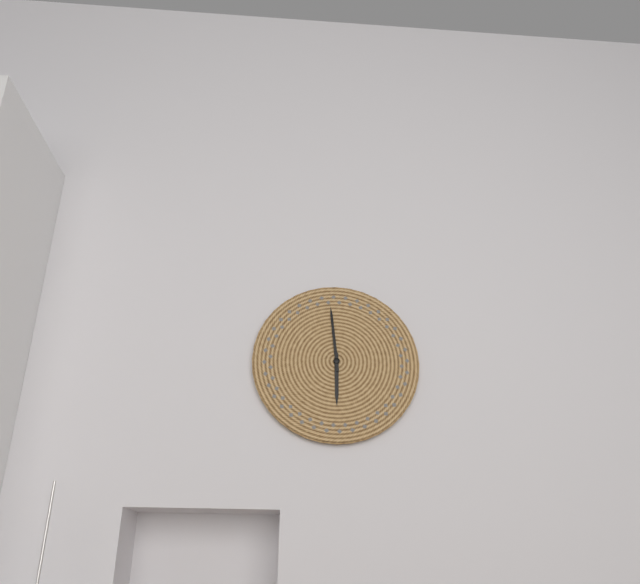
h=5 m=59
